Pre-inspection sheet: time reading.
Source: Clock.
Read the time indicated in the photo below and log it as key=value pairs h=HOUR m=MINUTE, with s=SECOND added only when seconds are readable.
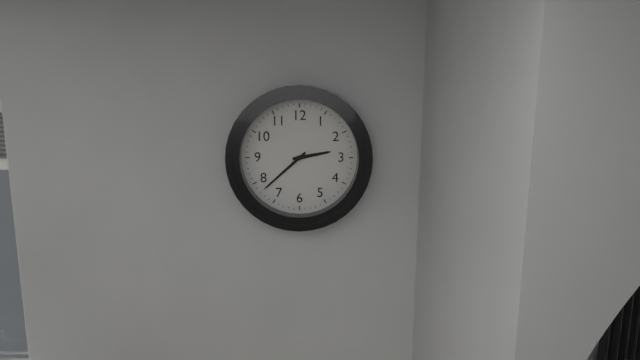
h=2 m=38
